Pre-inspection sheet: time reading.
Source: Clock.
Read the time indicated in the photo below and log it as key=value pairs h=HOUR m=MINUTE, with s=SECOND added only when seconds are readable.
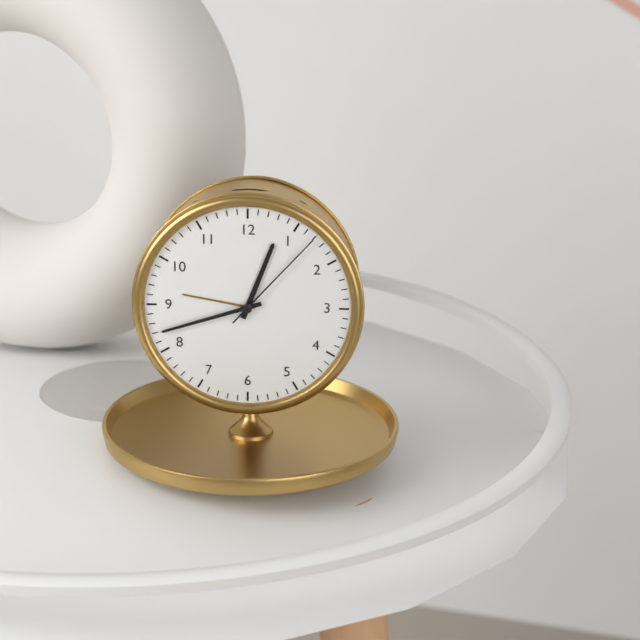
h=12 m=42 s=7
